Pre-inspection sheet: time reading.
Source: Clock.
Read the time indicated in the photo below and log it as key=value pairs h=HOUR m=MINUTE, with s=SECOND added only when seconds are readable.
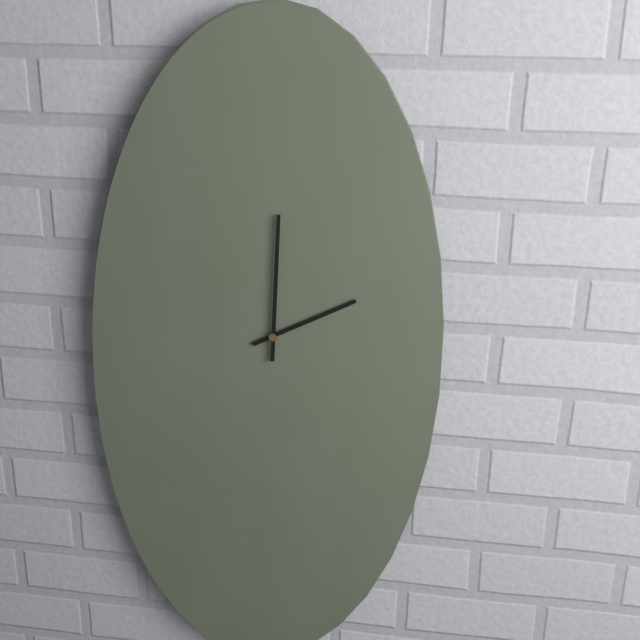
h=2 m=0
